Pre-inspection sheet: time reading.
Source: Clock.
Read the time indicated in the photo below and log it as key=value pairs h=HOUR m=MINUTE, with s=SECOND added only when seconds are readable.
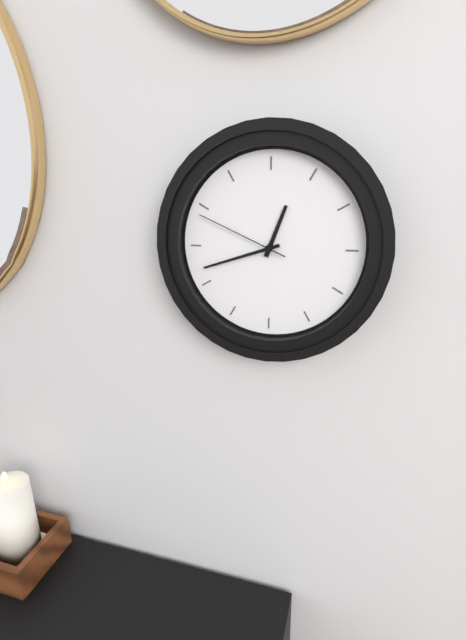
h=12 m=42 s=49
